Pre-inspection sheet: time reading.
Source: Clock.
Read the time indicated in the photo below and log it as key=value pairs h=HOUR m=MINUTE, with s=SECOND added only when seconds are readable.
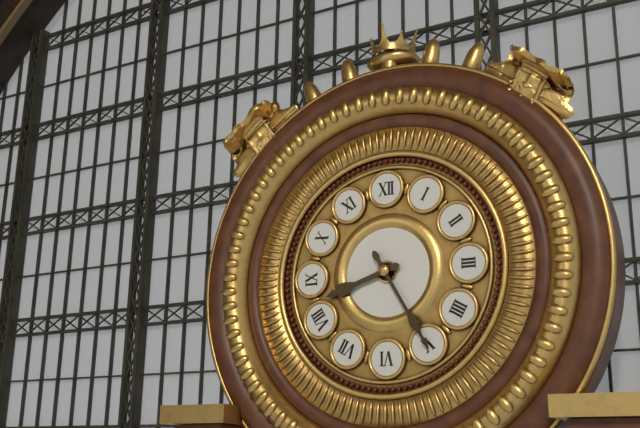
h=8 m=25
